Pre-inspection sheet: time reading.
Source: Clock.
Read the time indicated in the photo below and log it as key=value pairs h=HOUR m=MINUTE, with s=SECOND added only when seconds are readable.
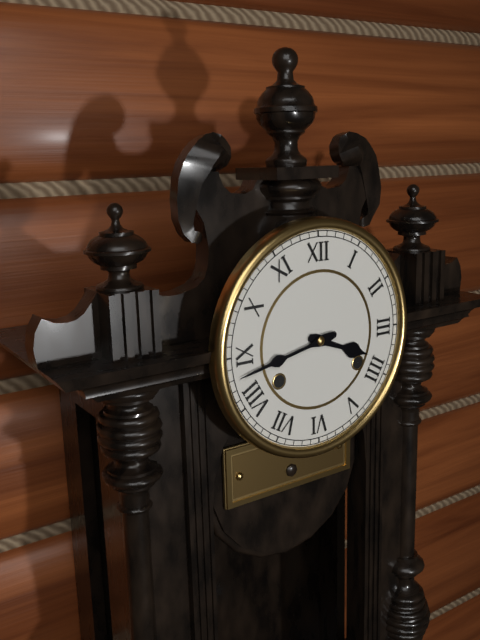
h=3 m=43
